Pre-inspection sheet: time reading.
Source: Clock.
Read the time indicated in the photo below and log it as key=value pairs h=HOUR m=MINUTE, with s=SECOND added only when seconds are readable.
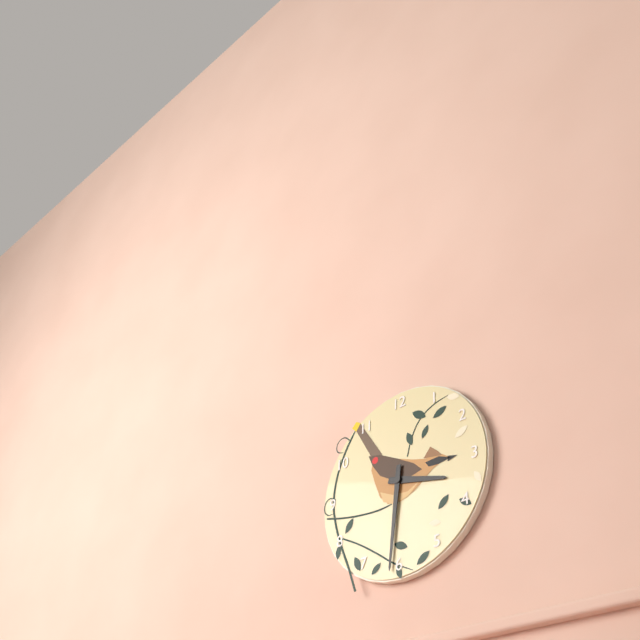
h=3 m=31
